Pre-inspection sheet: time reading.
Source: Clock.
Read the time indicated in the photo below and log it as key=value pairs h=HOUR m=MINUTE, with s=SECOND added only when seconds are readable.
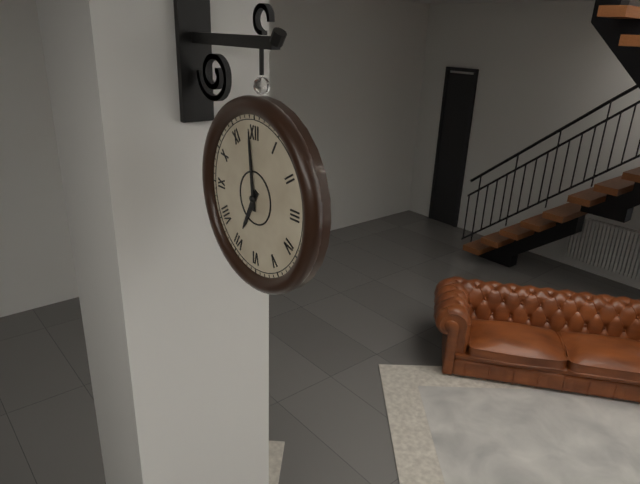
h=6 m=59
